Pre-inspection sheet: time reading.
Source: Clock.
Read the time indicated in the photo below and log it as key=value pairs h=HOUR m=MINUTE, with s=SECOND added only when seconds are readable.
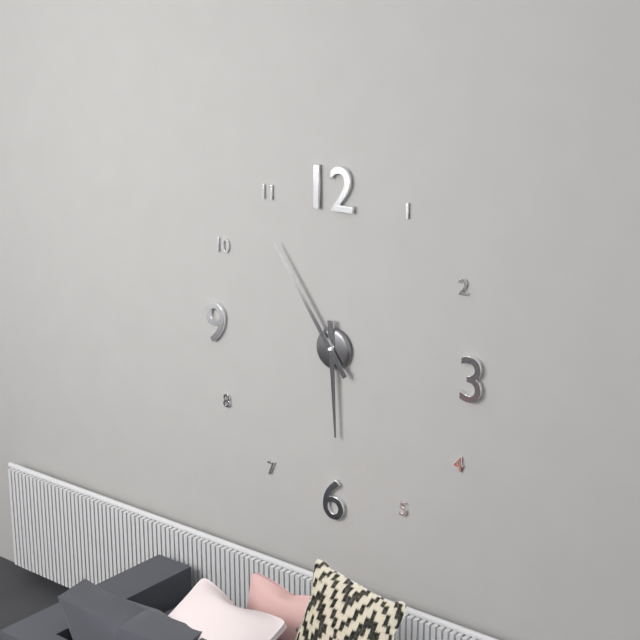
h=5 m=54
